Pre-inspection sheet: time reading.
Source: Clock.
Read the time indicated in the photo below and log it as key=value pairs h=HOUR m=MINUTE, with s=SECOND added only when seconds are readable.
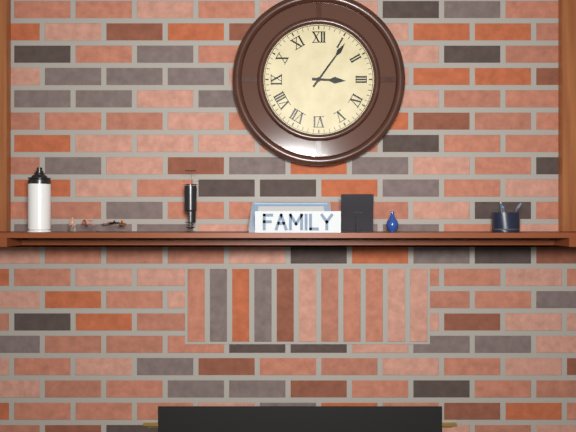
h=3 m=6
